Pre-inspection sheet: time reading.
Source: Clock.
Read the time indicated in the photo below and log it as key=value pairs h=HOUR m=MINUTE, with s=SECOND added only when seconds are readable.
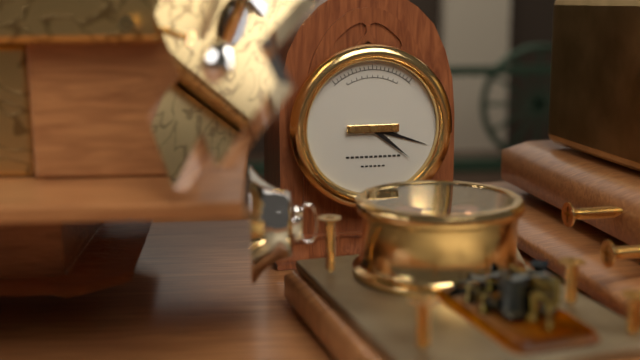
h=4 m=18
